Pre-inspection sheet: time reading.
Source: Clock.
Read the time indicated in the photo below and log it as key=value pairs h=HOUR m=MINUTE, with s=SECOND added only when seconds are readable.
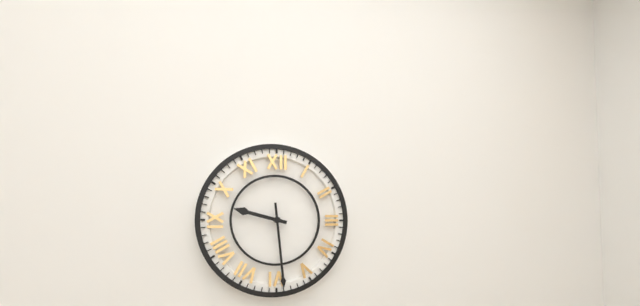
h=9 m=29
